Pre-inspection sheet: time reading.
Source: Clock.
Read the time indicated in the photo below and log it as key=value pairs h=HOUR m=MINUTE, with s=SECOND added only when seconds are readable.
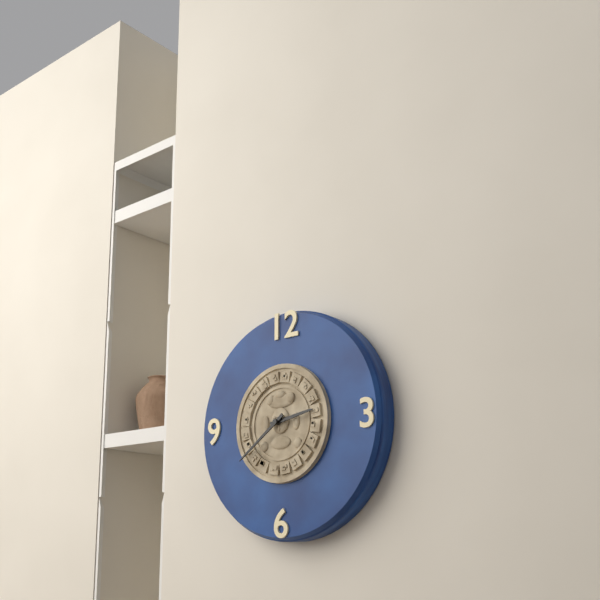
h=2 m=39
